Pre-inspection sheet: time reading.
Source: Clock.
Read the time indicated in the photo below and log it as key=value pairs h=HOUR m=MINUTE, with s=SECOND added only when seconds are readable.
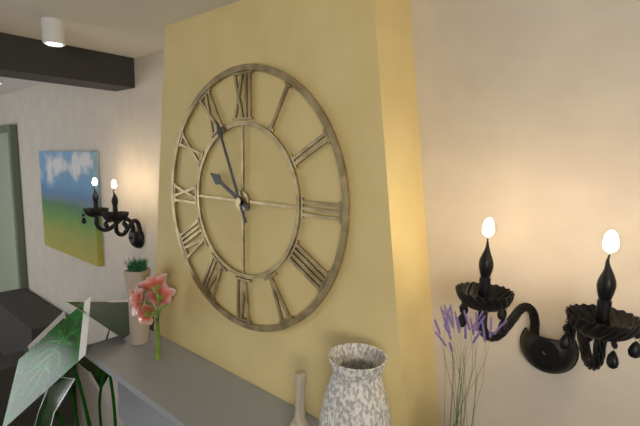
h=9 m=56
